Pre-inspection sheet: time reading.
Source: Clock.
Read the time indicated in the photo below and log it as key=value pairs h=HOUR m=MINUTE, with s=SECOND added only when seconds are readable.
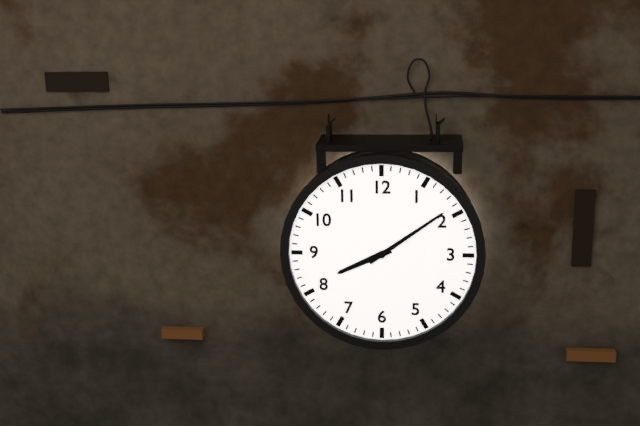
h=8 m=9
